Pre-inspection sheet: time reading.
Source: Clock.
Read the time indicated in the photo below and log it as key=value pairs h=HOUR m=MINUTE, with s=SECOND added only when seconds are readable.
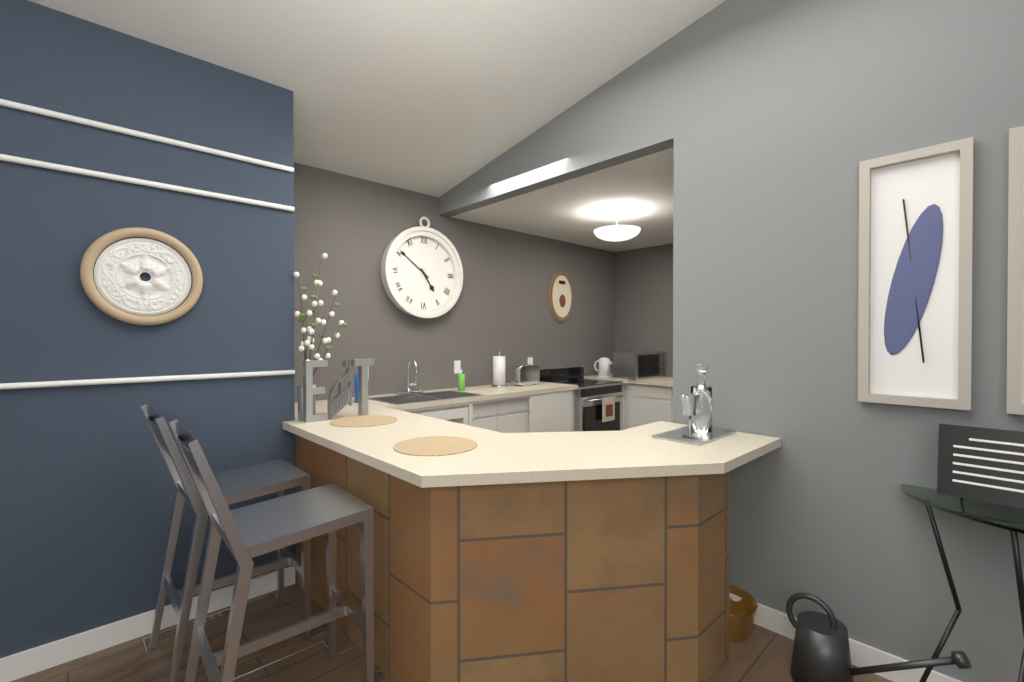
h=4 m=51
